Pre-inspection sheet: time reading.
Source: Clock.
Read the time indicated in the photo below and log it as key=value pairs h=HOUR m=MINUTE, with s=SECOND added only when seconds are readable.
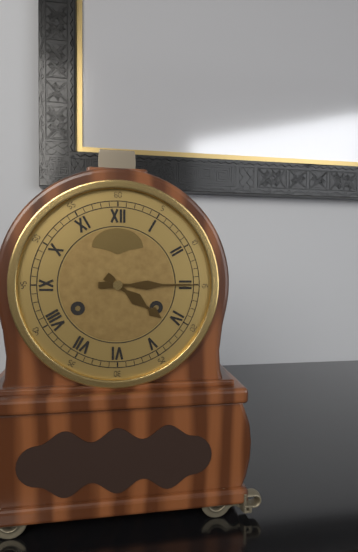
h=4 m=15
